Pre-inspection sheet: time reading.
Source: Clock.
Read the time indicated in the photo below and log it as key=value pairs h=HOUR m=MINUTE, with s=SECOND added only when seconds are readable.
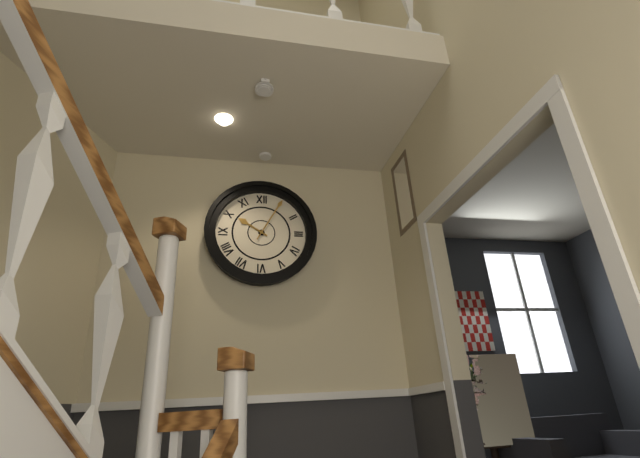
h=10 m=5
